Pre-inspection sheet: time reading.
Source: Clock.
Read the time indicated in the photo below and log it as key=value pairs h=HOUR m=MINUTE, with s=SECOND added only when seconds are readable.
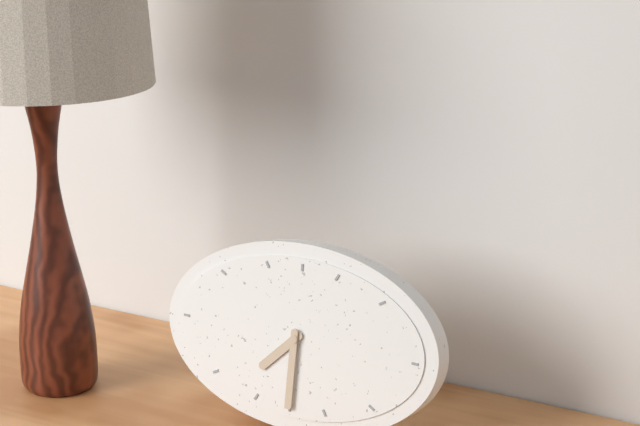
h=7 m=30
